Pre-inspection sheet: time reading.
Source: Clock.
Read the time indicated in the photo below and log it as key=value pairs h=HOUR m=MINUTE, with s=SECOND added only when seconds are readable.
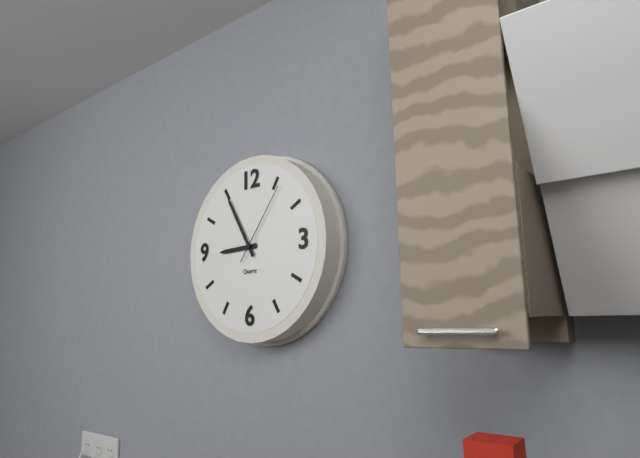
h=8 m=55 s=6
